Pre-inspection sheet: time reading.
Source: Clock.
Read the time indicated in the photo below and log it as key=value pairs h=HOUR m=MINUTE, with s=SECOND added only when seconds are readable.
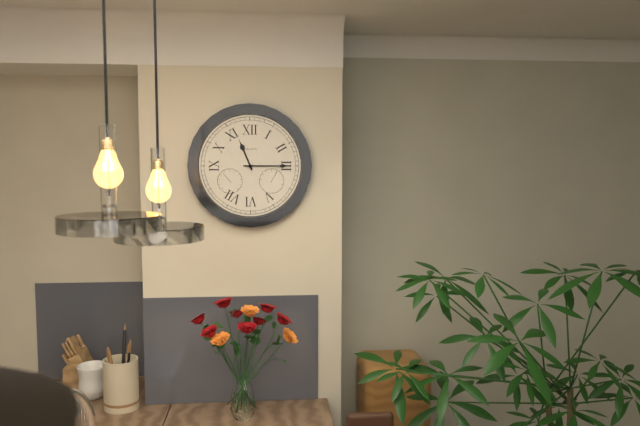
h=11 m=15
